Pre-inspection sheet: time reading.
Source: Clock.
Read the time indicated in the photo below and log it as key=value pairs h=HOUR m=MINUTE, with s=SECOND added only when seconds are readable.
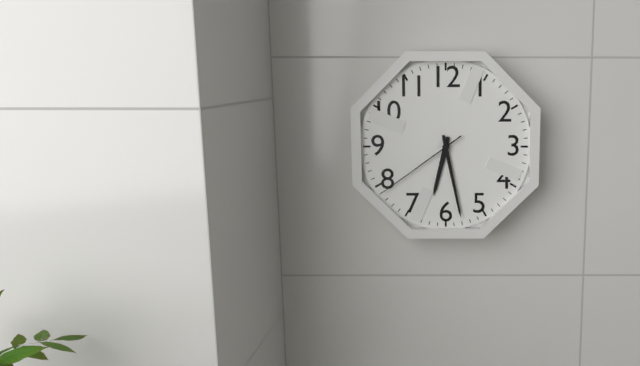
h=6 m=28 s=39
